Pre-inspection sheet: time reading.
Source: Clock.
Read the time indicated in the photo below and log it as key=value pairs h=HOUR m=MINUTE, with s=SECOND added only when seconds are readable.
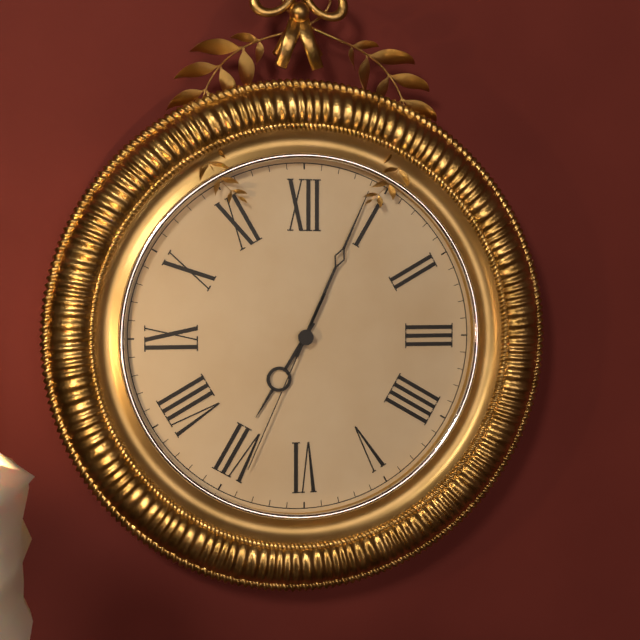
h=7 m=4 s=34
